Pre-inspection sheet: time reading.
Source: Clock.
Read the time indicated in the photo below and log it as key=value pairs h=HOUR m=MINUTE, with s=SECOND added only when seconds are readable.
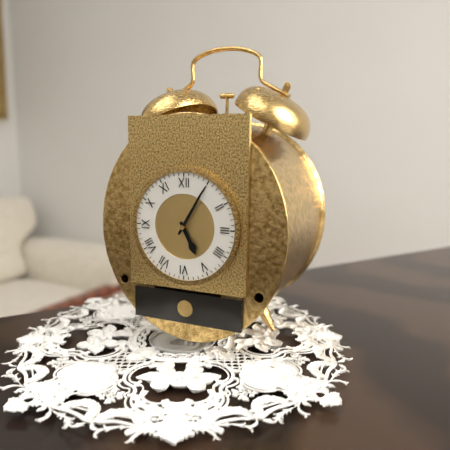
h=5 m=5
